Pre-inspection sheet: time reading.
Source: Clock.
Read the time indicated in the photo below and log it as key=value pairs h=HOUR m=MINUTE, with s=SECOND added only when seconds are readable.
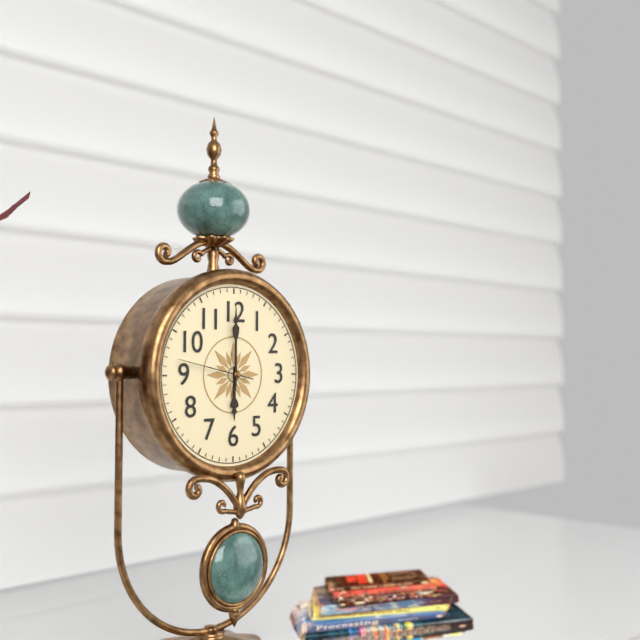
h=6 m=0 s=47
